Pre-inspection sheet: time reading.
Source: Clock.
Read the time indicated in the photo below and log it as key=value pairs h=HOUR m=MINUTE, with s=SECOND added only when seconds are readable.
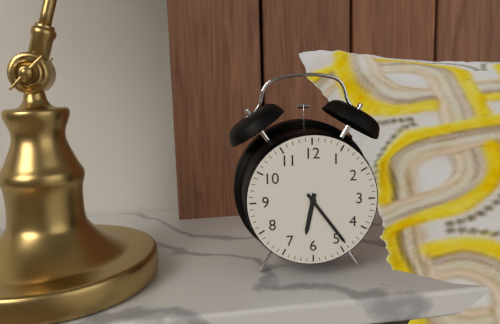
h=6 m=24
